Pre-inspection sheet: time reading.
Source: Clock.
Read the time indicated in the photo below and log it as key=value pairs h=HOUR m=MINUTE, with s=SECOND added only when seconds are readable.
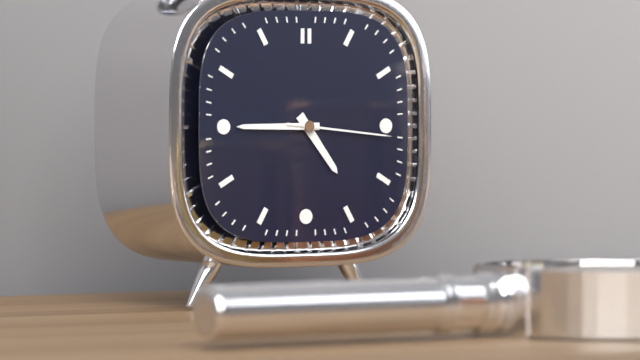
h=4 m=45 s=16
